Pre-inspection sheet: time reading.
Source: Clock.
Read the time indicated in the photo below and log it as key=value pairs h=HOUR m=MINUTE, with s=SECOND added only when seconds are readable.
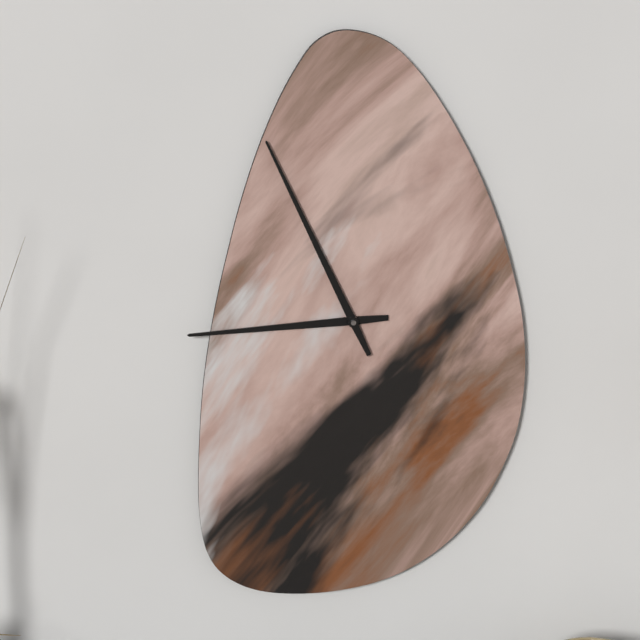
h=8 m=56
